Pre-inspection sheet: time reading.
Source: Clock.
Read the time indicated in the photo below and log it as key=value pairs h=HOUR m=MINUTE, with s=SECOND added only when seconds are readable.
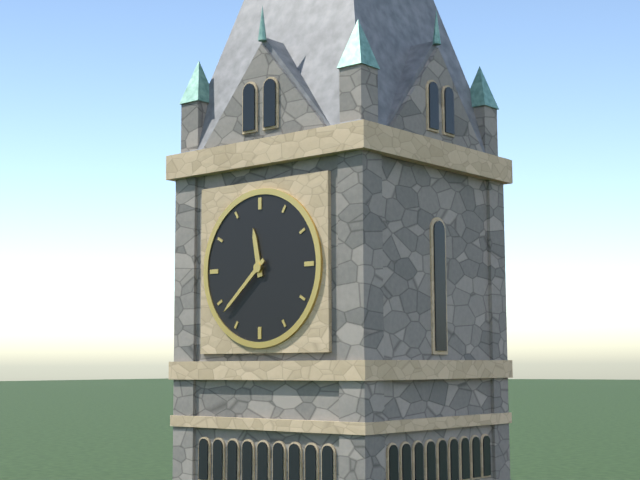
h=11 m=38
